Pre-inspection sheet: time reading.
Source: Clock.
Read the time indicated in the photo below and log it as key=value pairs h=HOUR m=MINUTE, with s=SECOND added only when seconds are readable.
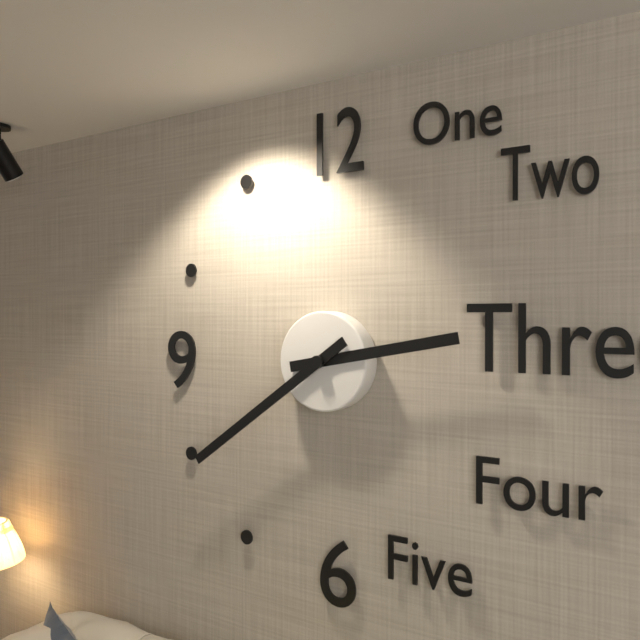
h=2 m=39
